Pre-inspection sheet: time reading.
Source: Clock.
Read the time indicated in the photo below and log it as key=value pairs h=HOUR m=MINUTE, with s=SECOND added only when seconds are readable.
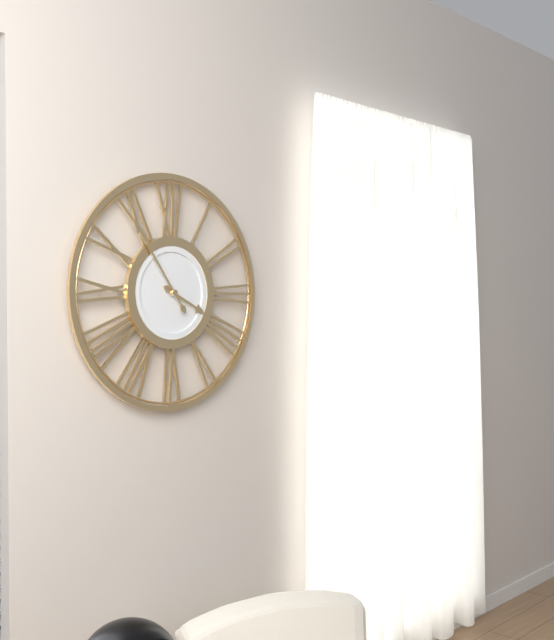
h=3 m=54
